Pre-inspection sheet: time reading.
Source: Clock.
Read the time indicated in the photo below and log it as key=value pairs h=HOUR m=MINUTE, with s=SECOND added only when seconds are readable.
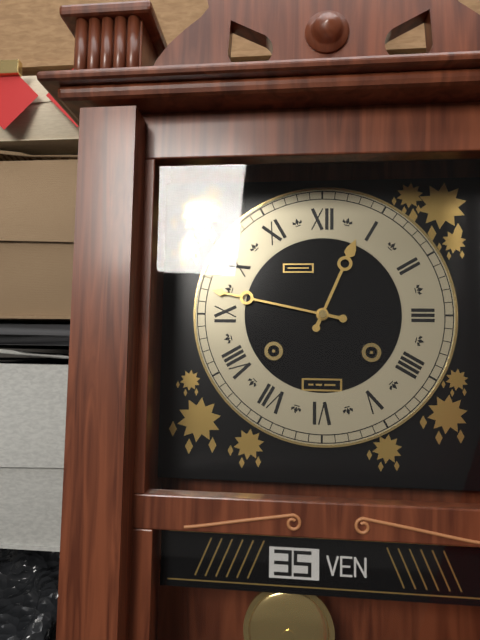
h=12 m=47
